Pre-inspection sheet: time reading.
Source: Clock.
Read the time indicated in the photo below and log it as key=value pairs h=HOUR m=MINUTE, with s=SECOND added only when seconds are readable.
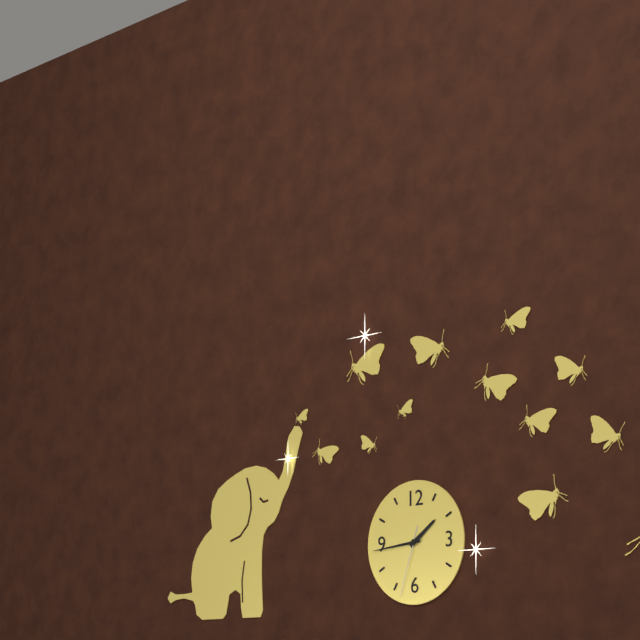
h=1 m=44 s=33
